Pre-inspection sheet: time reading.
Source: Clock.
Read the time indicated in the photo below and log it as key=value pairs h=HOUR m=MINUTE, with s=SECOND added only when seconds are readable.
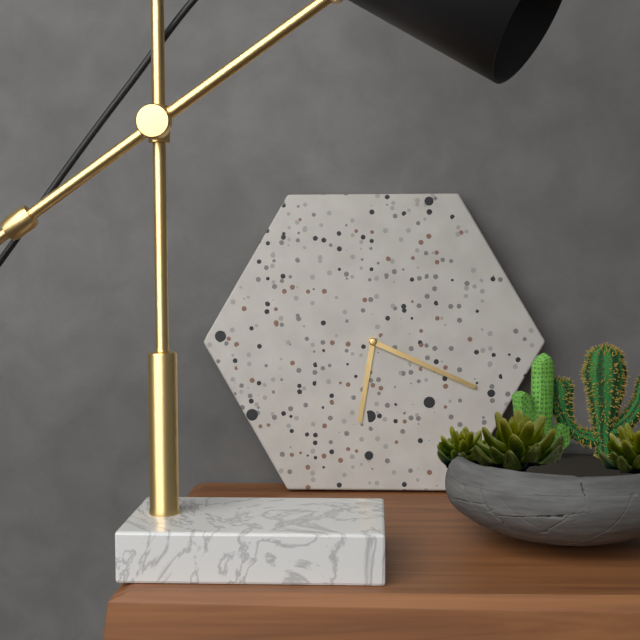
h=6 m=19
